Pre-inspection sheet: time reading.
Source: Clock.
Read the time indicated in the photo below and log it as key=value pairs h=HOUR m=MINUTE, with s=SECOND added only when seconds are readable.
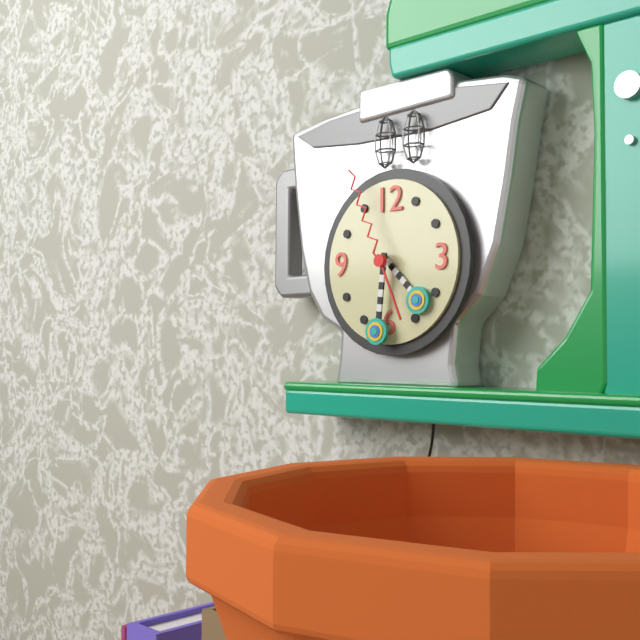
h=4 m=31 s=56
